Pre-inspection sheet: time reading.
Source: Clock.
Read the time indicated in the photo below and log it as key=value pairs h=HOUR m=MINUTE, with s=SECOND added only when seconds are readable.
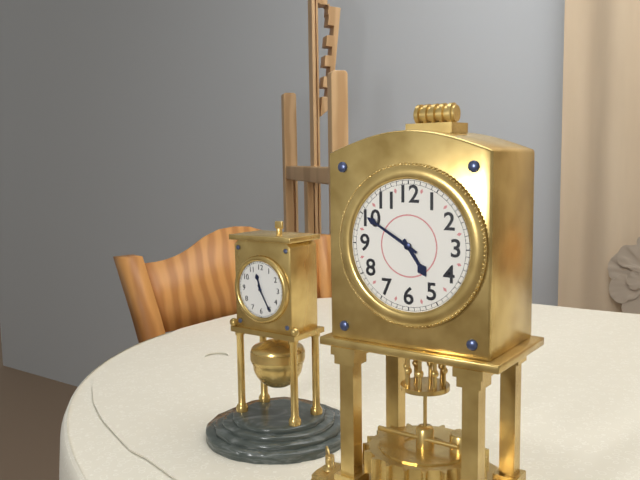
h=4 m=50
